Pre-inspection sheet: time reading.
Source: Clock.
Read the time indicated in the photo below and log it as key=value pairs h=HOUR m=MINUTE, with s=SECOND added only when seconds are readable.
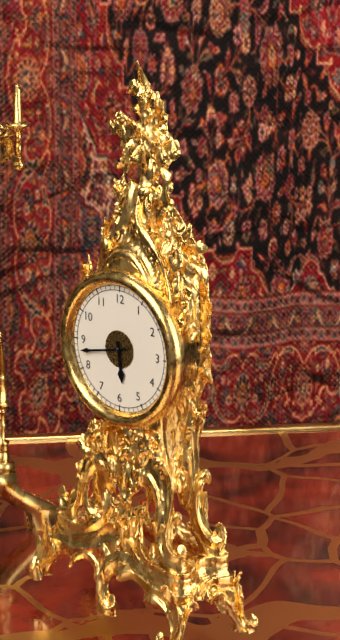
h=5 m=43
